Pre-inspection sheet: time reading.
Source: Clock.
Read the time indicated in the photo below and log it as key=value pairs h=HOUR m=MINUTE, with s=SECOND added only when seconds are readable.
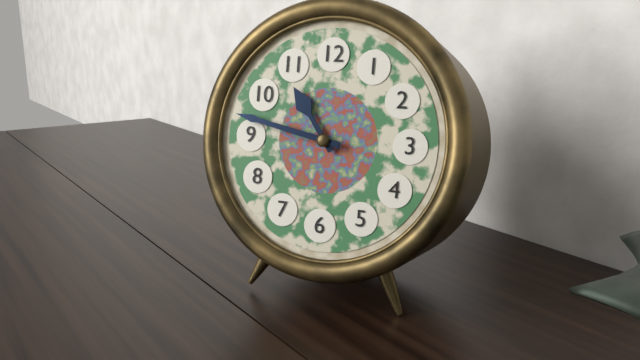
h=10 m=47
